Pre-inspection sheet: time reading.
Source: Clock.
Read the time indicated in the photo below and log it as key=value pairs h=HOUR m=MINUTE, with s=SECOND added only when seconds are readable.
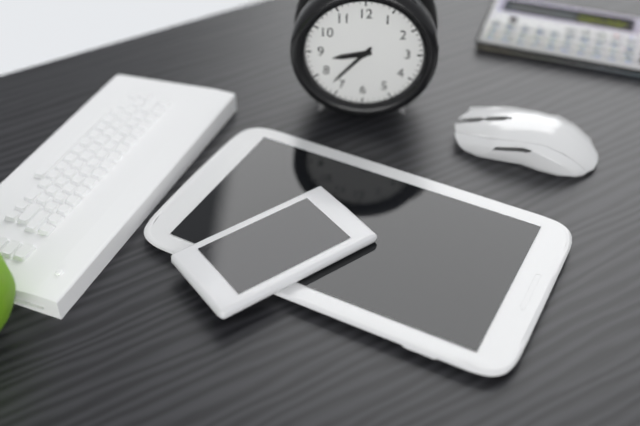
h=8 m=37
